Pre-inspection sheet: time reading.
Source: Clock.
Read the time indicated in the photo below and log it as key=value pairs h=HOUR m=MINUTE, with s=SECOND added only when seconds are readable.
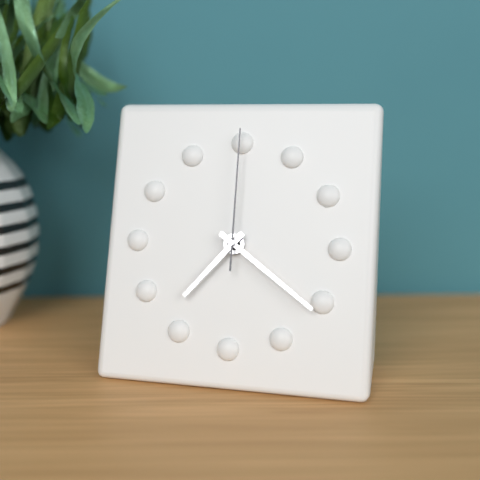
h=7 m=21 s=0
